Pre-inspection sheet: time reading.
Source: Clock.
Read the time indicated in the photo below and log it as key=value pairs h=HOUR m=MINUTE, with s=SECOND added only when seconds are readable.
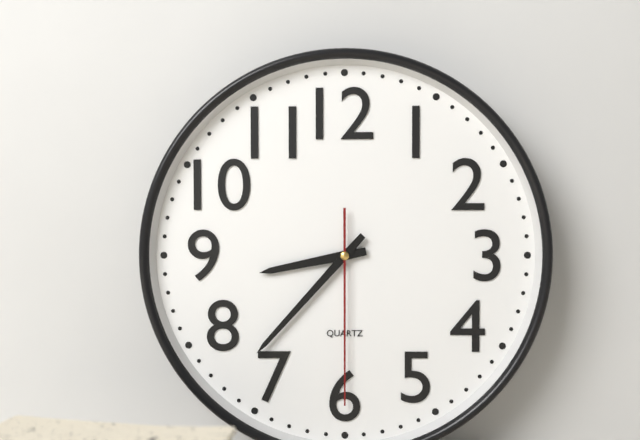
h=8 m=37 s=30
